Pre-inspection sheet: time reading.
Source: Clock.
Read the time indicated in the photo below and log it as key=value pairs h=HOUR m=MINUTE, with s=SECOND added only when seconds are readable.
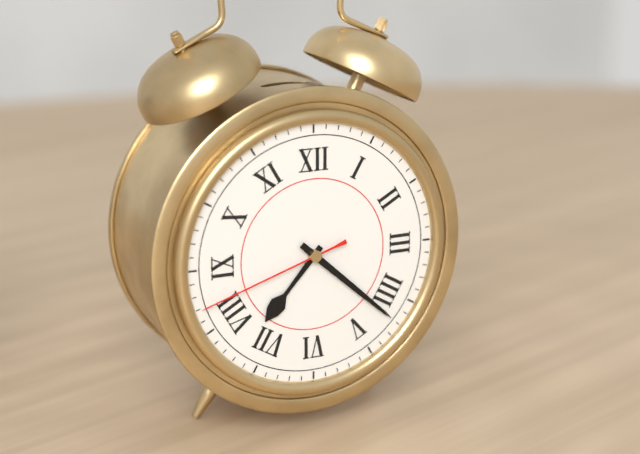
h=7 m=22 s=42
